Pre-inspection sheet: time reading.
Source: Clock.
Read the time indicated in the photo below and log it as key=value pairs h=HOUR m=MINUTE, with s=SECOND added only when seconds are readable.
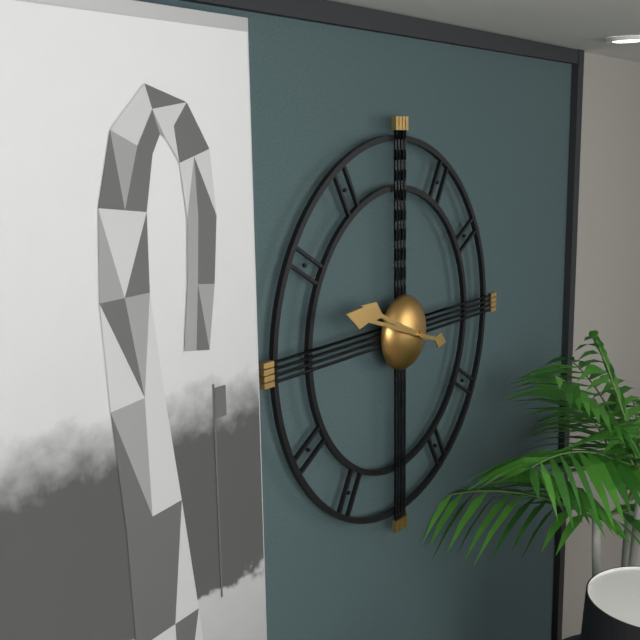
h=9 m=48
